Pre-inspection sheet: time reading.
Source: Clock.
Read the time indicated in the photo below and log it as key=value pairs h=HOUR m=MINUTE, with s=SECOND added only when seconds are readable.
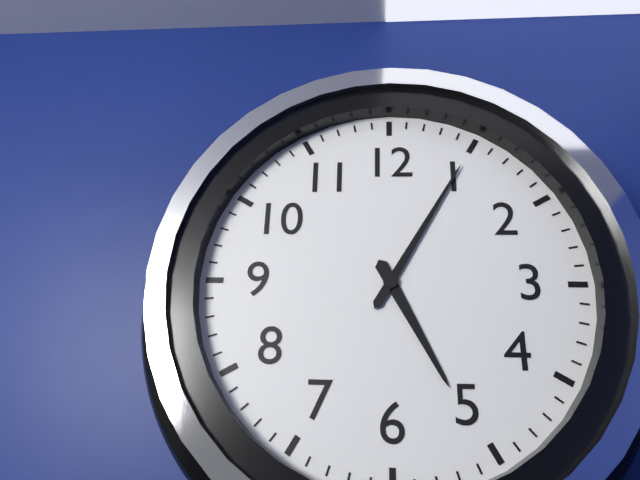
h=5 m=5
